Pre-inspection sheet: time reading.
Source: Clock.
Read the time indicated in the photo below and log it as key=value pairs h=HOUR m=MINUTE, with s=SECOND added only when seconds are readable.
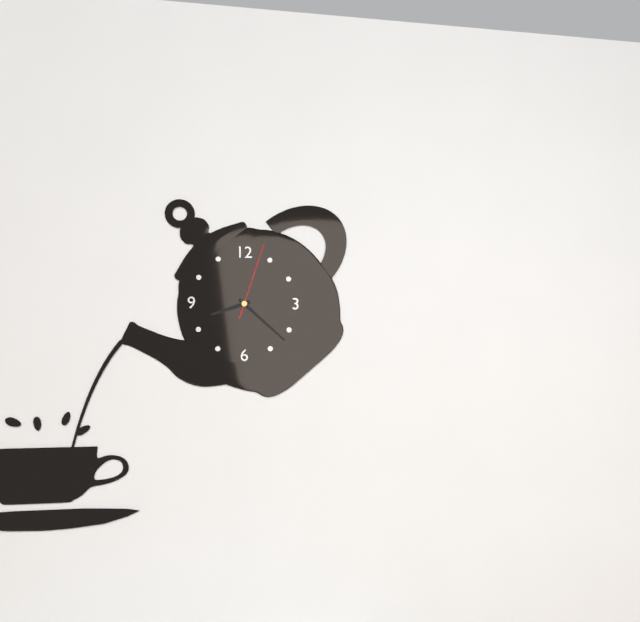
h=8 m=22 s=3
